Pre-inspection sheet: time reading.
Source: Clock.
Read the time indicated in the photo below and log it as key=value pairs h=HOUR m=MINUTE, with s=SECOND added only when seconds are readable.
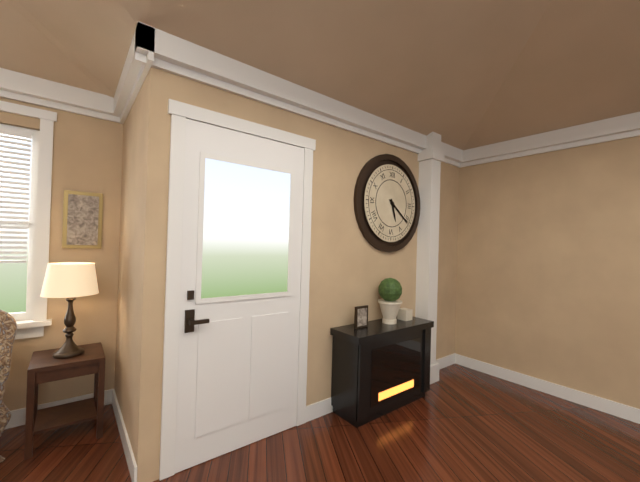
h=5 m=21
